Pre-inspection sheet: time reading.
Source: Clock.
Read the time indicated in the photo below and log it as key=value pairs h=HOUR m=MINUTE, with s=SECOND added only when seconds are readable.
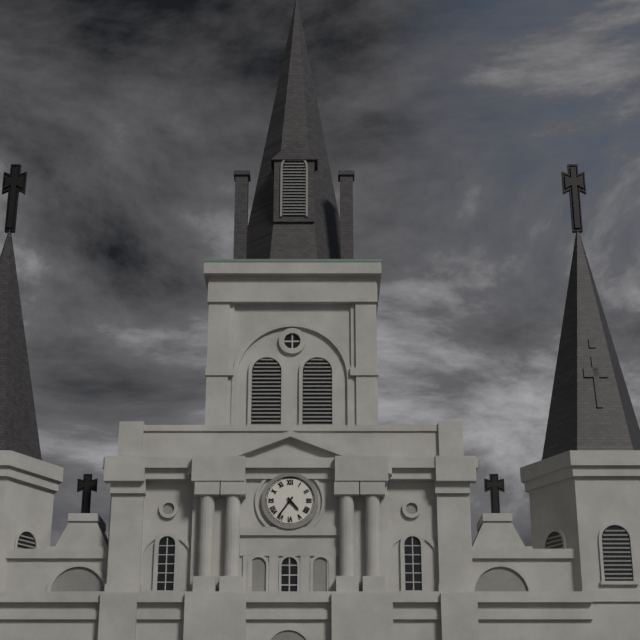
h=4 m=36
